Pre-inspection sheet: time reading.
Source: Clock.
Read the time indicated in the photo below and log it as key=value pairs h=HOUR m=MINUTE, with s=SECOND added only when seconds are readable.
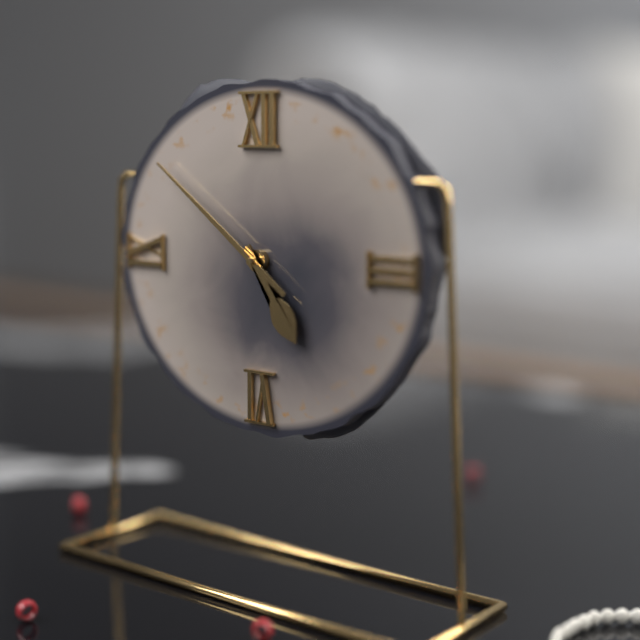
h=4 m=51
